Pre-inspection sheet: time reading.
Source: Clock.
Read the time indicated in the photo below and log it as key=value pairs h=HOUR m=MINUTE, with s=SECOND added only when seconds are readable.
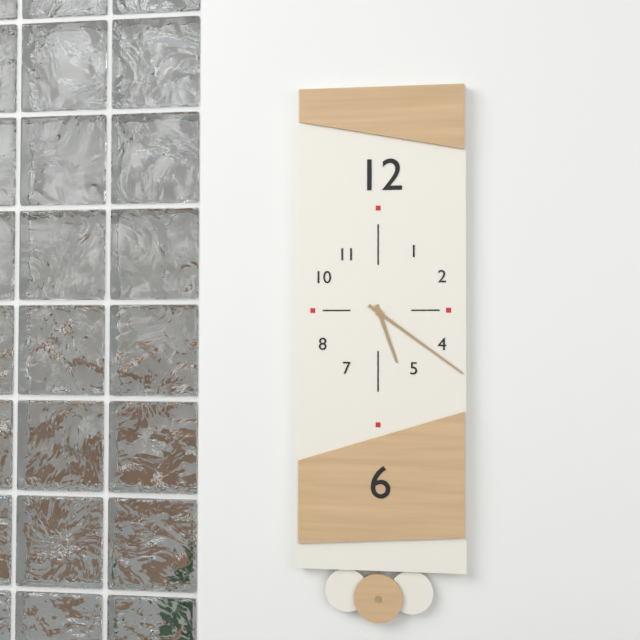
h=5 m=21
